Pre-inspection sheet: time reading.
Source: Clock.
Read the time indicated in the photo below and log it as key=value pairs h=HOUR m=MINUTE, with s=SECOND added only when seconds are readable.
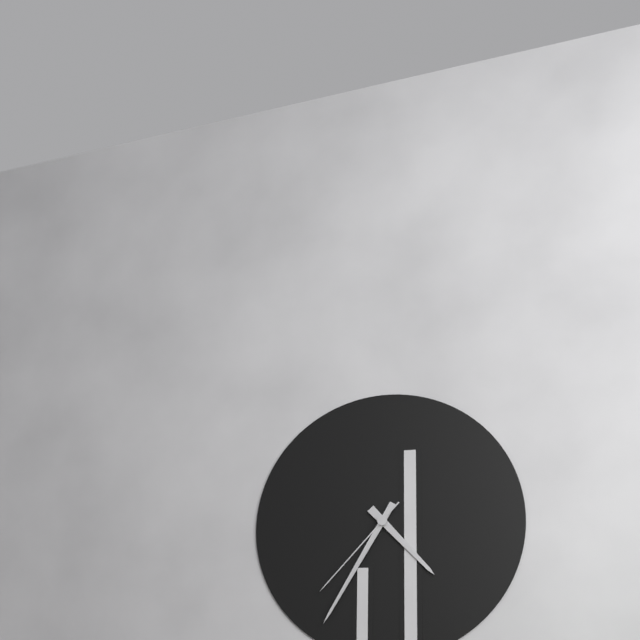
h=4 m=35 s=37
